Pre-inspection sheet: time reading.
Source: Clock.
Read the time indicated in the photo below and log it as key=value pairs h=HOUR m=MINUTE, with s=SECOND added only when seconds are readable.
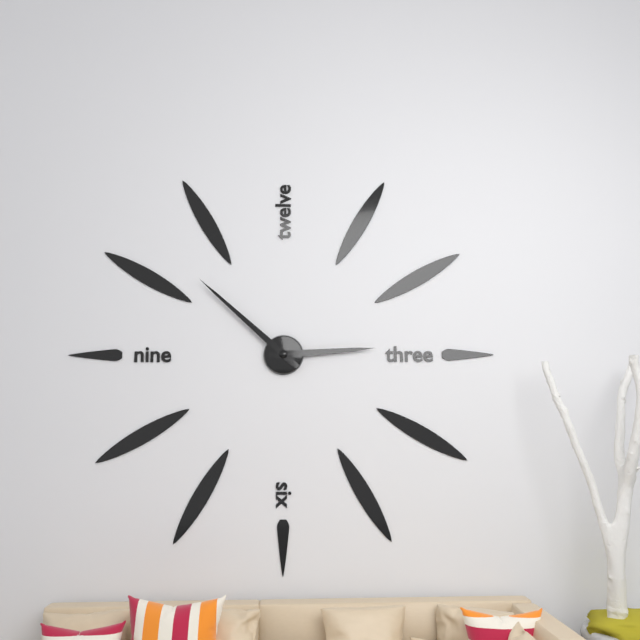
h=2 m=52
